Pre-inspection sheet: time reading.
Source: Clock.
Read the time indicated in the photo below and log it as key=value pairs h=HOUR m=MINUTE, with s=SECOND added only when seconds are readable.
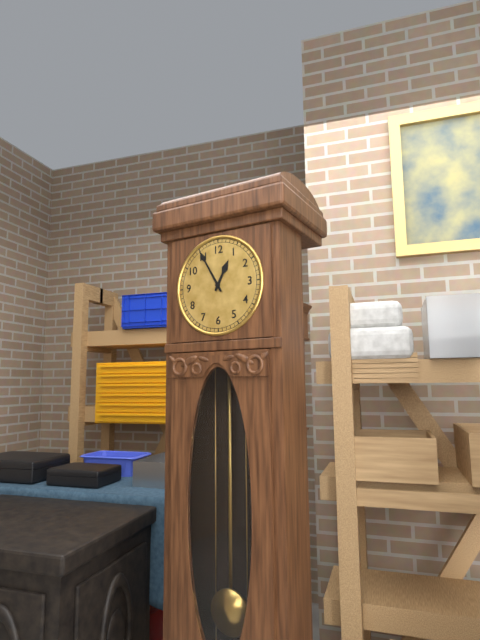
h=12 m=55
